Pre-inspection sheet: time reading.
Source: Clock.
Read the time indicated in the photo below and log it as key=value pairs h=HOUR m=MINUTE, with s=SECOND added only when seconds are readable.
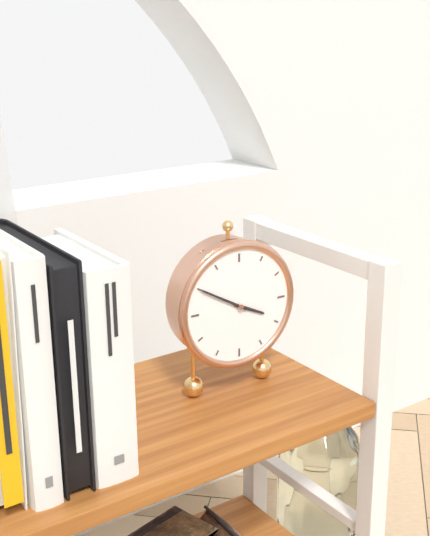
h=3 m=50
